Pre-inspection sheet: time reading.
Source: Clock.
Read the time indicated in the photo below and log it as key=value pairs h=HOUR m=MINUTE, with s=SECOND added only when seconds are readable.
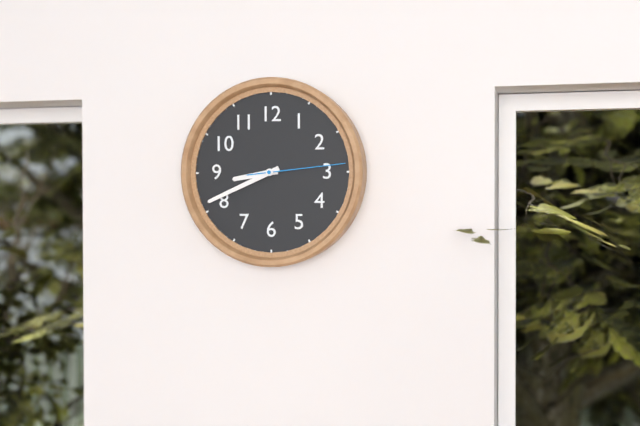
h=8 m=41 s=14
